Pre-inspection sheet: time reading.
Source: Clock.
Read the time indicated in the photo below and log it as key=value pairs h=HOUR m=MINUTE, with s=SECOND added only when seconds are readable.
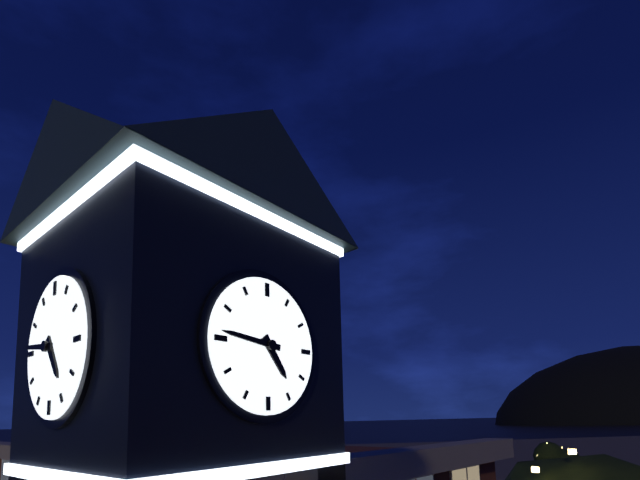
h=4 m=46
